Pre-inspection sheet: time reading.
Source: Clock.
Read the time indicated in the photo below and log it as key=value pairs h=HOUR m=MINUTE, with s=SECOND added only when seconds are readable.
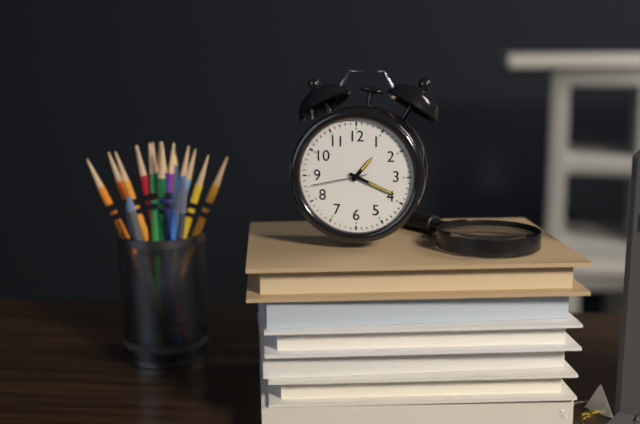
h=1 m=19 s=43
